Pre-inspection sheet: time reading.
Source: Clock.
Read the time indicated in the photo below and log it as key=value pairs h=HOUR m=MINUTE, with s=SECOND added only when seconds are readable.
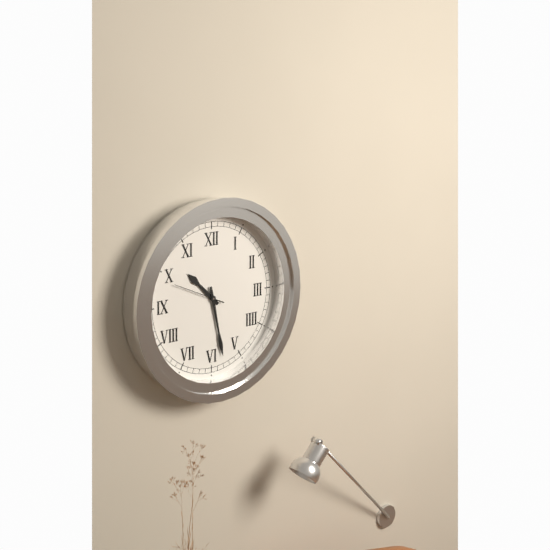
h=10 m=28
